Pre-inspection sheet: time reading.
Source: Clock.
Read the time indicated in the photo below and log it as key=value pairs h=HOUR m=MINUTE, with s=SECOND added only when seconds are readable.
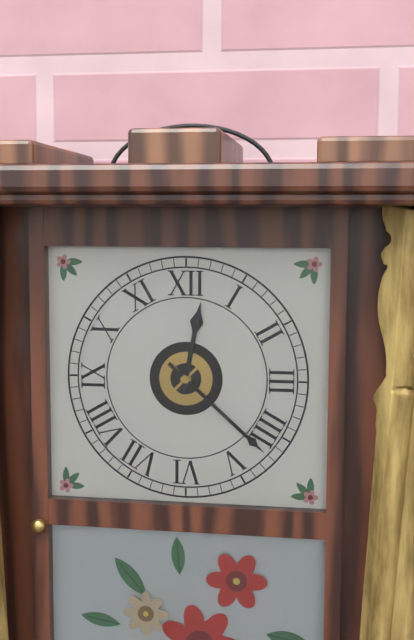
h=12 m=22
